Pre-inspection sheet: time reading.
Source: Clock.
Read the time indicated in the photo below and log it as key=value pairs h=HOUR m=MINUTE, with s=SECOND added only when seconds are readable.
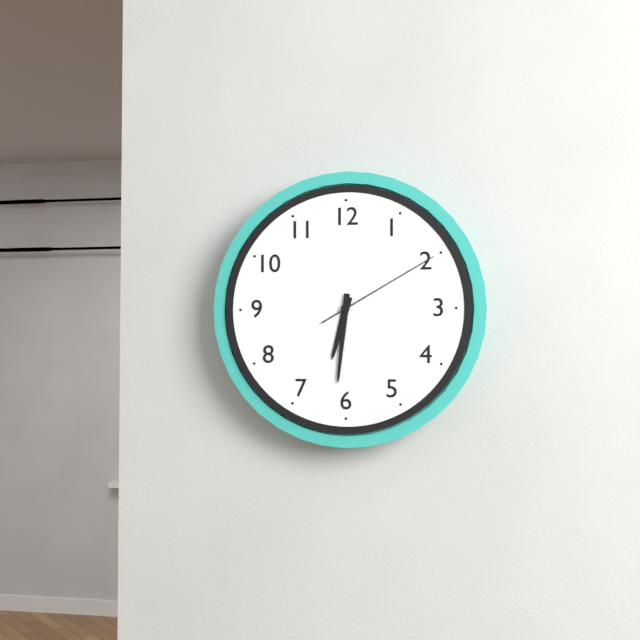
h=6 m=31 s=10
